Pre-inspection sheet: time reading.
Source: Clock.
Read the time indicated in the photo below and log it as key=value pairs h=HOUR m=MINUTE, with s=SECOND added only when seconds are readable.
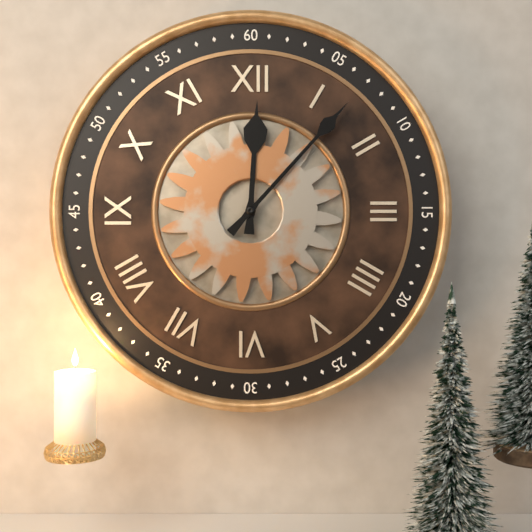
h=12 m=7
